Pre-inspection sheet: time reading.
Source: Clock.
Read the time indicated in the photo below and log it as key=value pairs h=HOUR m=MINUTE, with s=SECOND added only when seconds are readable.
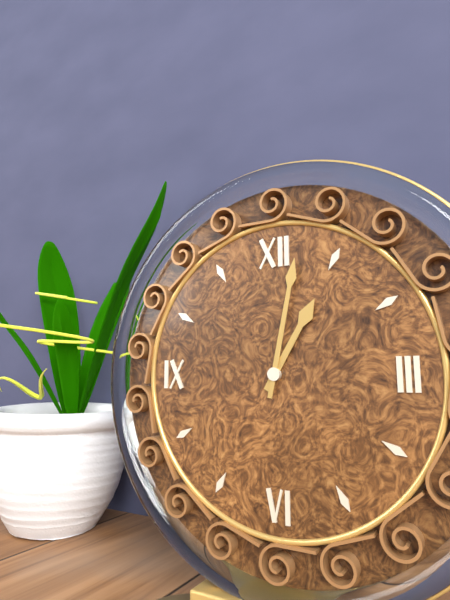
h=1 m=2
